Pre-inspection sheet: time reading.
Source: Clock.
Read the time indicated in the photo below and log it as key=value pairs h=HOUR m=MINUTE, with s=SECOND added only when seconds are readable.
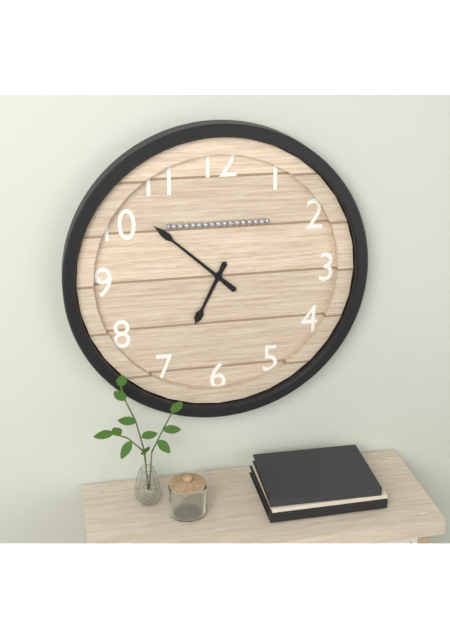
h=6 m=52
